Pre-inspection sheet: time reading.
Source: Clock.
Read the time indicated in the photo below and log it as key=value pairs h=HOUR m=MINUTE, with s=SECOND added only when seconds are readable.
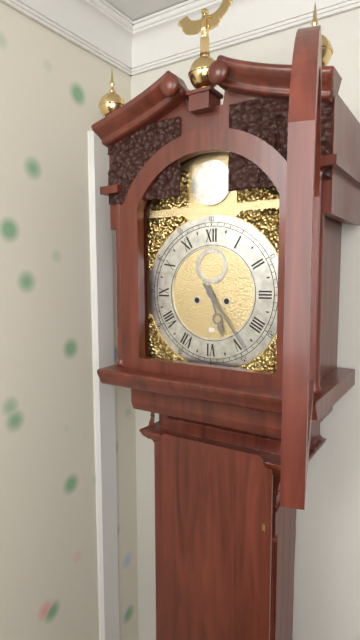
h=5 m=24
